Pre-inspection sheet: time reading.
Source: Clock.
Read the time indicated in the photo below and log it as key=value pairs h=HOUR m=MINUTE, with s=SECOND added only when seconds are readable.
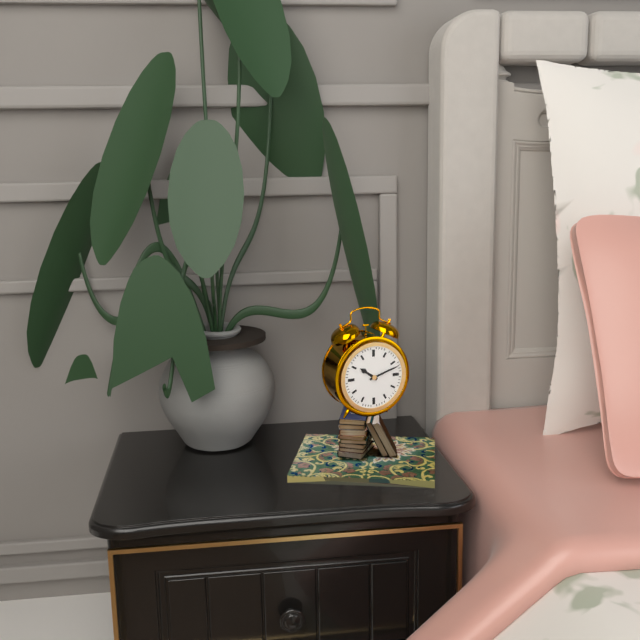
h=10 m=12
